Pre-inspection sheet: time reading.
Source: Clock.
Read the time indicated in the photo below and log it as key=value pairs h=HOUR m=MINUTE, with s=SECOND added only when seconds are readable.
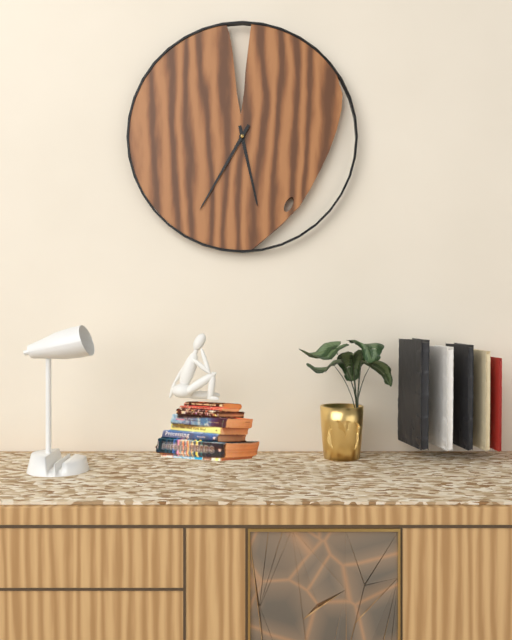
h=5 m=35
